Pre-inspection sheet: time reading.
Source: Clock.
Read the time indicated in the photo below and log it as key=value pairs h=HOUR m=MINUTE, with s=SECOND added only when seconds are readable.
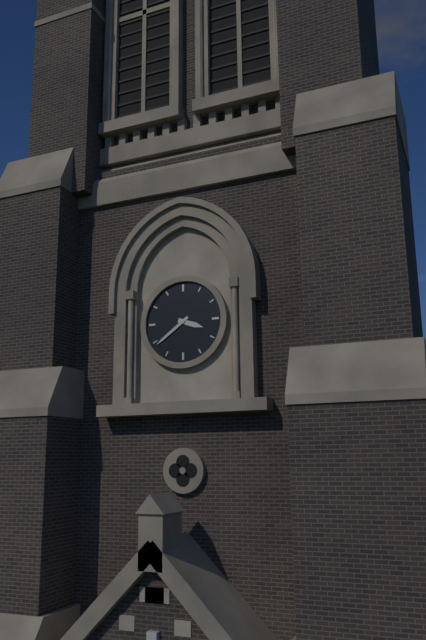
h=3 m=39
